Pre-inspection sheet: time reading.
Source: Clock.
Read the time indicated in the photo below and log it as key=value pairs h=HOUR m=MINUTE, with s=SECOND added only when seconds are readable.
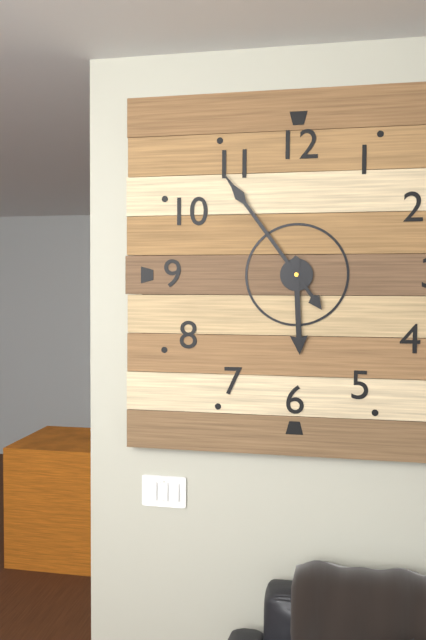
h=5 m=54
